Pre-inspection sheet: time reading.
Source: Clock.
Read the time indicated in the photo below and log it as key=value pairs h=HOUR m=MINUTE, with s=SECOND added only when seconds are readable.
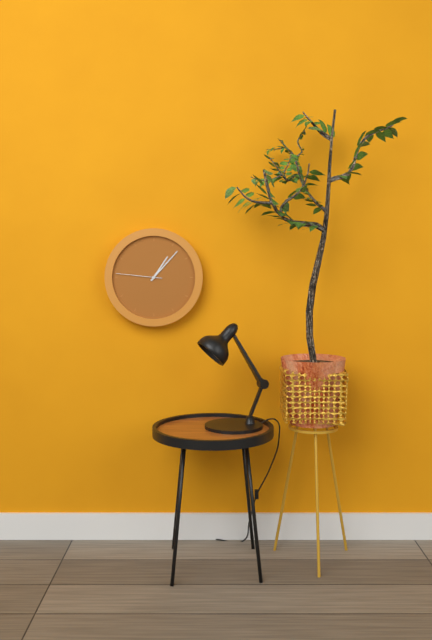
h=1 m=7
